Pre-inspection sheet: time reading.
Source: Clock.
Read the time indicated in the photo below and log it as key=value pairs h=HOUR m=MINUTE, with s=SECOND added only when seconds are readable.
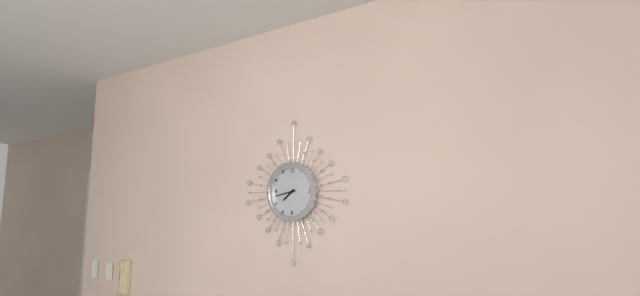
h=7 m=43
